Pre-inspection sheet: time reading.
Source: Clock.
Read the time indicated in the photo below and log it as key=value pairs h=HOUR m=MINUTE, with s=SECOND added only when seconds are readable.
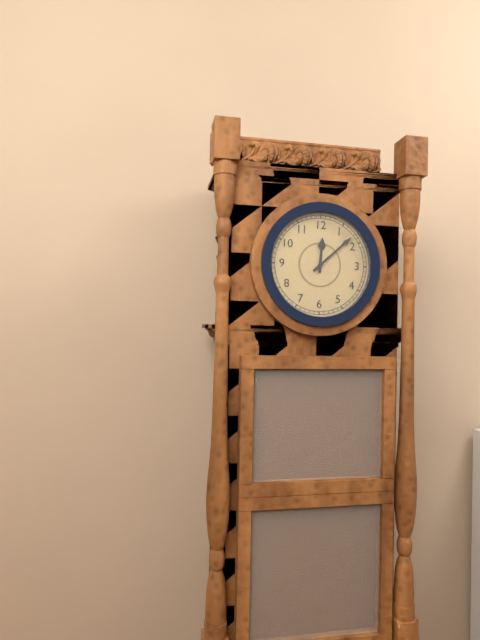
h=12 m=8
